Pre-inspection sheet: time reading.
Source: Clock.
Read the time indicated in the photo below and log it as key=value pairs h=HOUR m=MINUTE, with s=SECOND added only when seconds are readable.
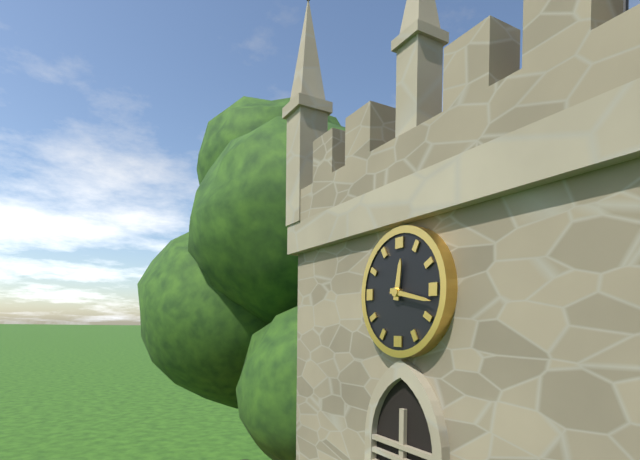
h=12 m=17
